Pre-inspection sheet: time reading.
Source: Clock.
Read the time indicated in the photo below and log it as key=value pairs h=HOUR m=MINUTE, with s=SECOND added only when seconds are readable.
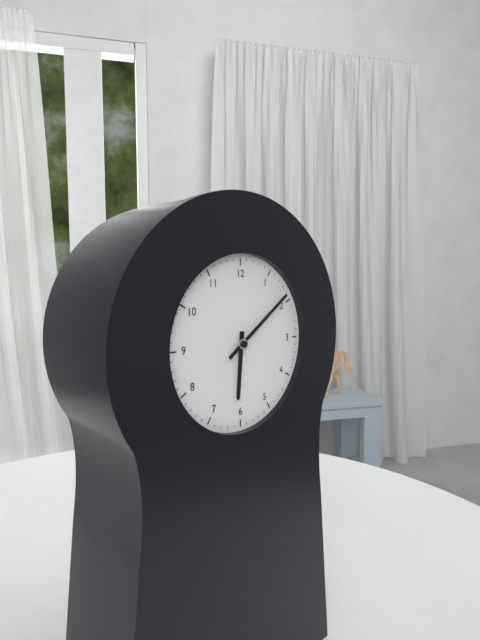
h=6 m=9
